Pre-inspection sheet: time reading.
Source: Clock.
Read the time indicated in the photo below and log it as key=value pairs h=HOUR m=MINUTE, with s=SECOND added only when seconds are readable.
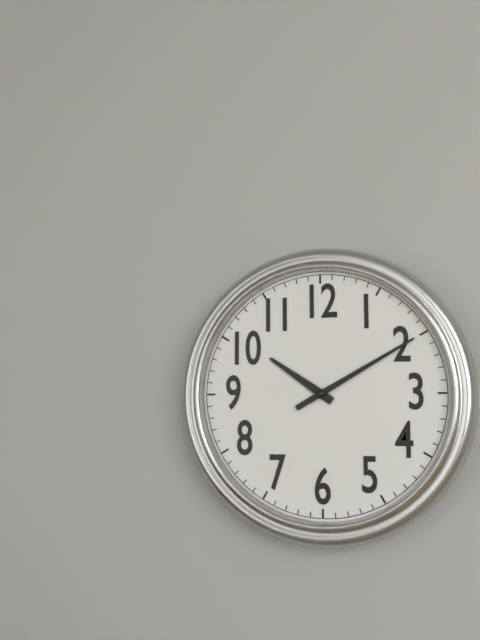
h=10 m=10
